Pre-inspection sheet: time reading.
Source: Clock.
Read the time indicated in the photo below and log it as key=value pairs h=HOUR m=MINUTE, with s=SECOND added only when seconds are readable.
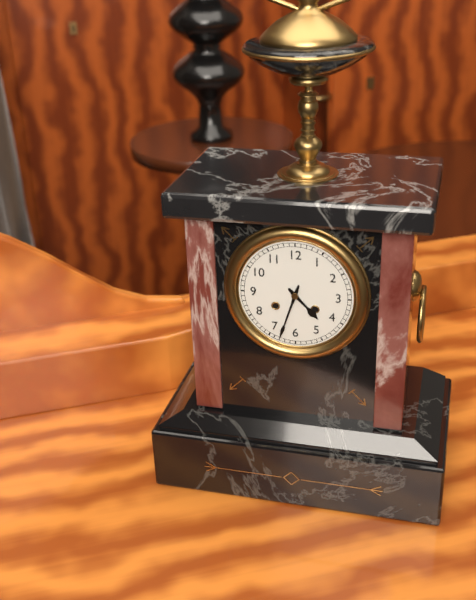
h=4 m=33
